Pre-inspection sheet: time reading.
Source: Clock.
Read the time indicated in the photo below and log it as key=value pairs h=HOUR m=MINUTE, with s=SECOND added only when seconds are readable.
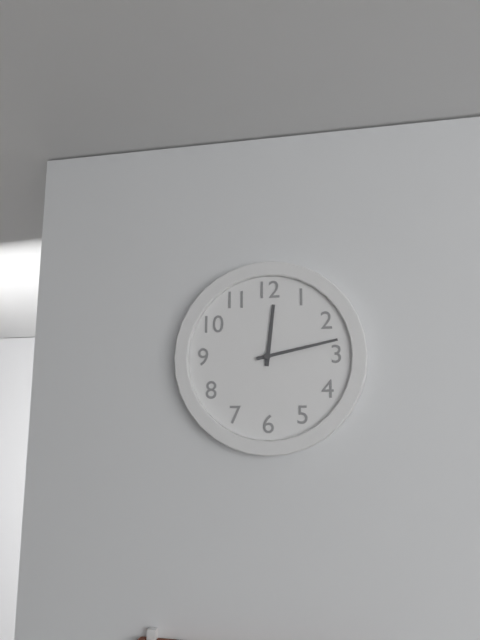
h=12 m=13
